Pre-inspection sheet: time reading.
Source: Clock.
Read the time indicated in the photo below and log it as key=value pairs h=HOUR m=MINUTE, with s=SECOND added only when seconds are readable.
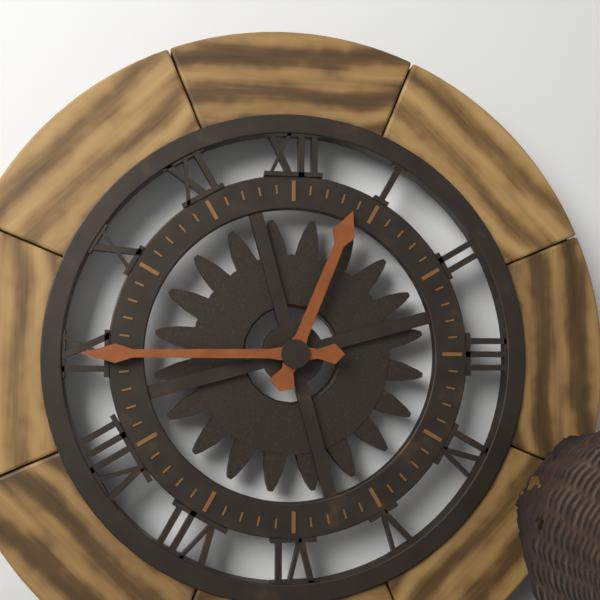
h=12 m=45
